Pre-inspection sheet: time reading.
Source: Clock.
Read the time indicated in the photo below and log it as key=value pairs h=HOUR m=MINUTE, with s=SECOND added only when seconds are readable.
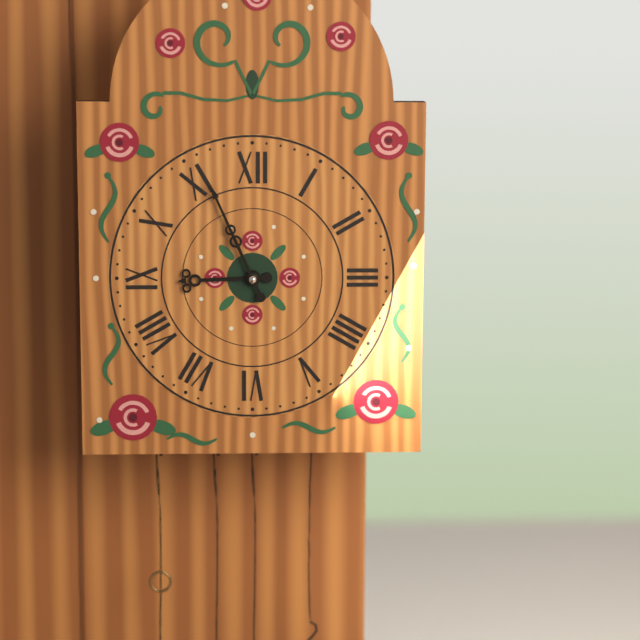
h=8 m=56
